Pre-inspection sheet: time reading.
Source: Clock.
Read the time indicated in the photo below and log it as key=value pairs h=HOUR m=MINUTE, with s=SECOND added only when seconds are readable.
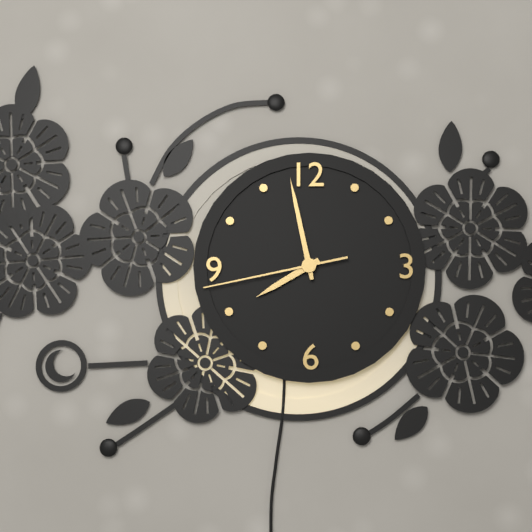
h=7 m=58 s=43
